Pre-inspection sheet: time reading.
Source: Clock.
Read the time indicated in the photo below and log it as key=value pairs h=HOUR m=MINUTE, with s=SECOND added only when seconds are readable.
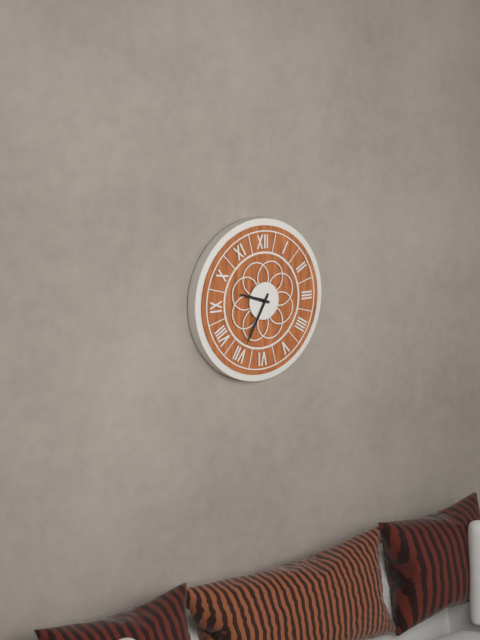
h=9 m=35
